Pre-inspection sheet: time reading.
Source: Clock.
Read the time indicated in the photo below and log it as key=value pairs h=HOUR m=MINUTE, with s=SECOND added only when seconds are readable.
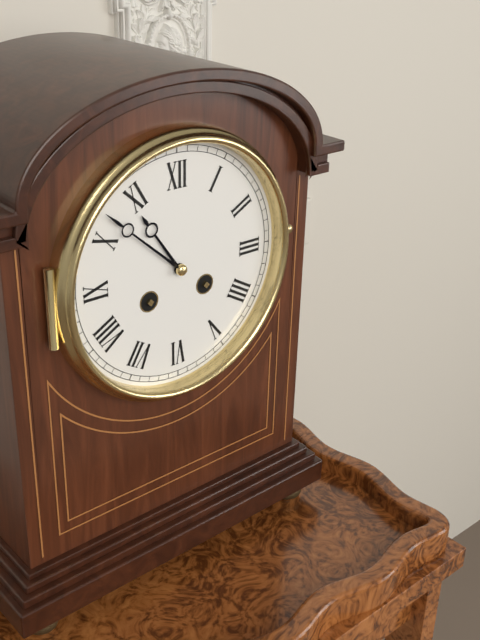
h=10 m=52
